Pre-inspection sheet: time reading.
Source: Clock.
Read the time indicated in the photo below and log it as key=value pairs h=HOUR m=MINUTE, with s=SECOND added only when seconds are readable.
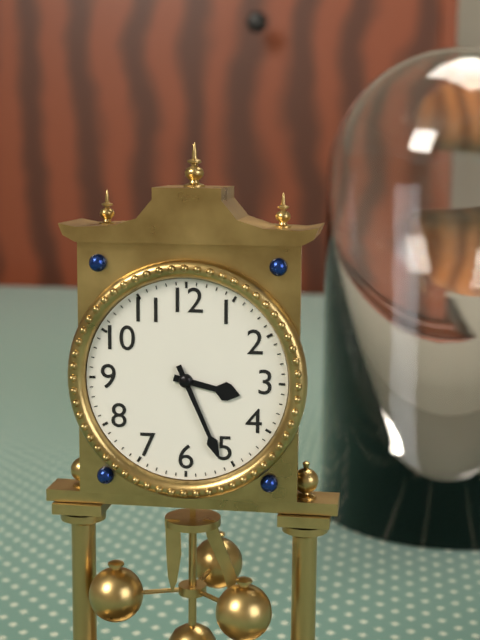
h=3 m=26
